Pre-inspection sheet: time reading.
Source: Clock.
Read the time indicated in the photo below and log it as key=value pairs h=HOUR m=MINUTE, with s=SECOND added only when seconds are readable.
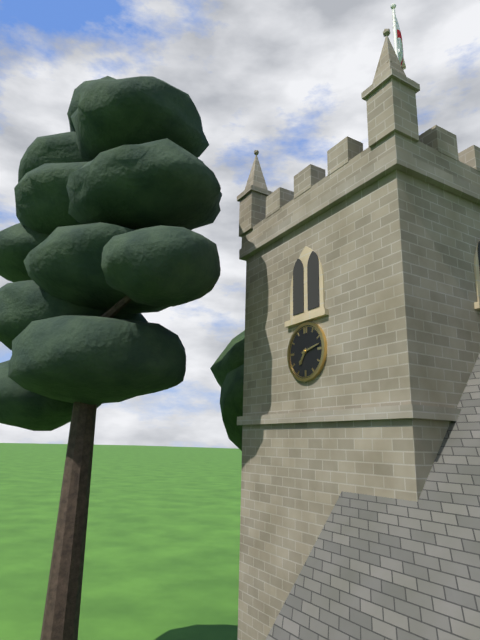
h=7 m=13
